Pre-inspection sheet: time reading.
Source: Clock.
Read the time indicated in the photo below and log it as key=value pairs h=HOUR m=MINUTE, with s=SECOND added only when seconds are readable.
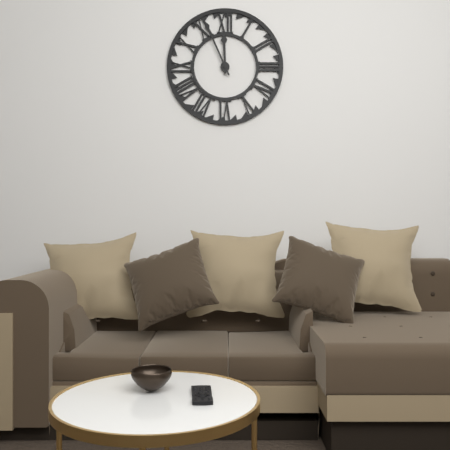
h=11 m=56
